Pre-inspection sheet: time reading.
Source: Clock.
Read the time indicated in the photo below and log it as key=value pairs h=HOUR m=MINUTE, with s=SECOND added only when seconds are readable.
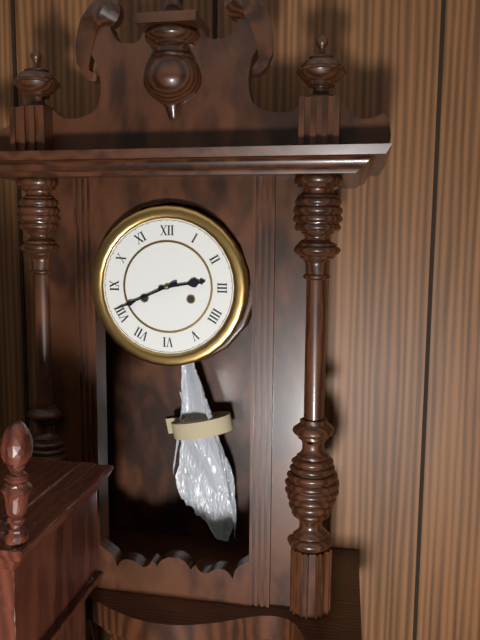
h=2 m=41
